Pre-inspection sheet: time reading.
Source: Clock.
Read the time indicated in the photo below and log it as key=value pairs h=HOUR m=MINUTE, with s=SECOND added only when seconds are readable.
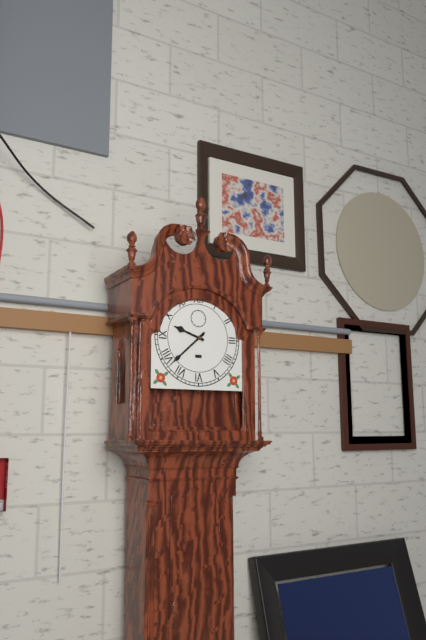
h=9 m=38
